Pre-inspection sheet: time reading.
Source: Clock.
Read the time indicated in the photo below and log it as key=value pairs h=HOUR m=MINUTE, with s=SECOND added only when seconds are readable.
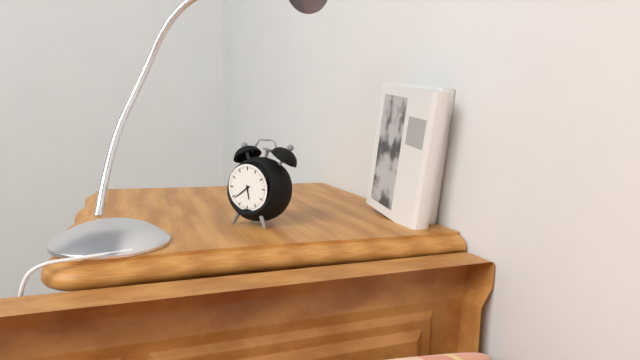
h=5 m=39
